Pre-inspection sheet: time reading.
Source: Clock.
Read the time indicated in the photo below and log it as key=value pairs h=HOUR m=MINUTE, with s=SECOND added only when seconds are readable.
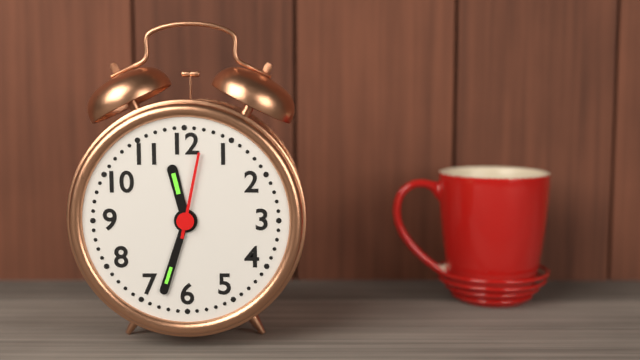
h=11 m=33 s=2
